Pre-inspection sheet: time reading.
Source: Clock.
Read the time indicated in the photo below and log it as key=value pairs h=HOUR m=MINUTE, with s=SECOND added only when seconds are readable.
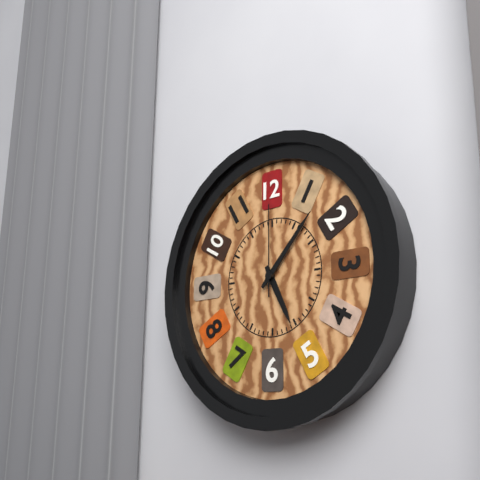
h=5 m=7 s=0
